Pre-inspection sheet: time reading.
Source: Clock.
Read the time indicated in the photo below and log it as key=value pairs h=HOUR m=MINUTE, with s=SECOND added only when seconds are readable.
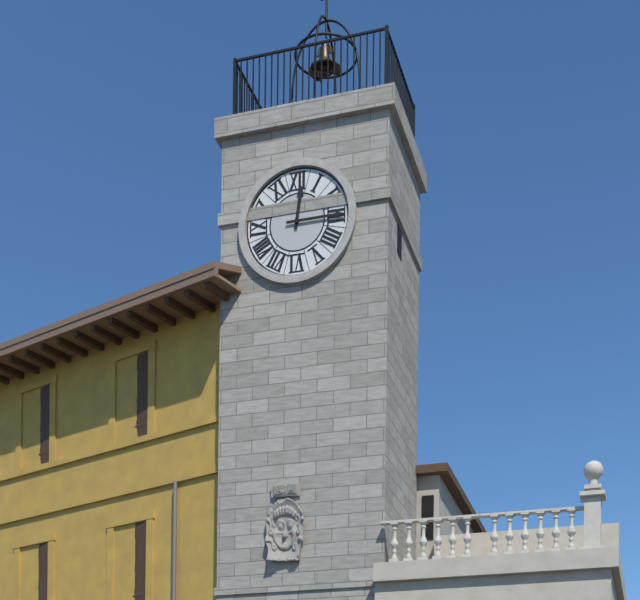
h=12 m=15
